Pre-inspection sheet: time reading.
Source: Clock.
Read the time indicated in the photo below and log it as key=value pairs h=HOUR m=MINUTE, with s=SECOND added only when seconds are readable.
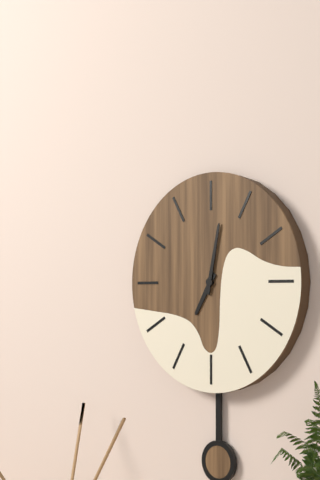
h=7 m=2
